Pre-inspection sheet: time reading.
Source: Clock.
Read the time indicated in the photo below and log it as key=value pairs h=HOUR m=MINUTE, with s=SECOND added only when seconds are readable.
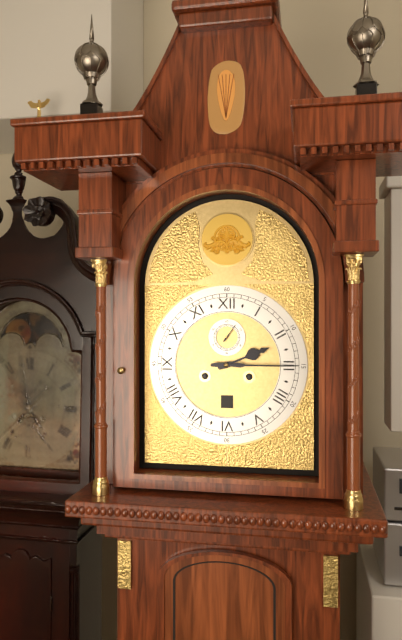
h=2 m=15
